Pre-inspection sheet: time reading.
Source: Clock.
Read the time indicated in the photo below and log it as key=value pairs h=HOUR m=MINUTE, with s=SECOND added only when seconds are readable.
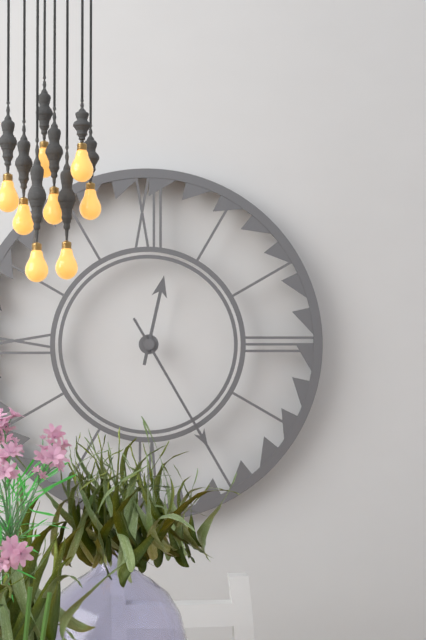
h=12 m=25
